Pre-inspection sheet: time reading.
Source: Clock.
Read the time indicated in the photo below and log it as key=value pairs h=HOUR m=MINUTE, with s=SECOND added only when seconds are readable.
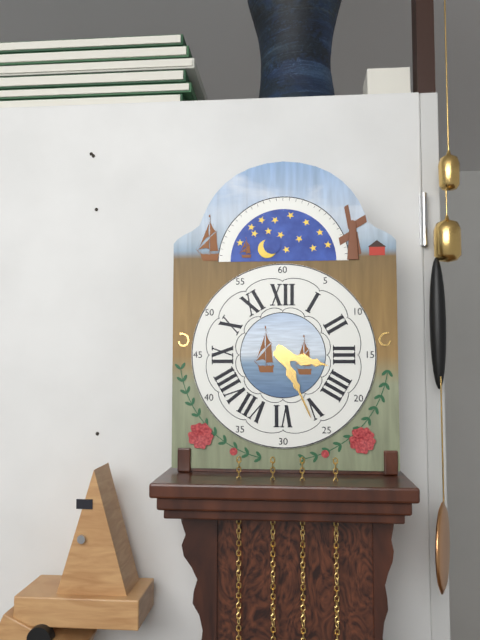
h=3 m=26
